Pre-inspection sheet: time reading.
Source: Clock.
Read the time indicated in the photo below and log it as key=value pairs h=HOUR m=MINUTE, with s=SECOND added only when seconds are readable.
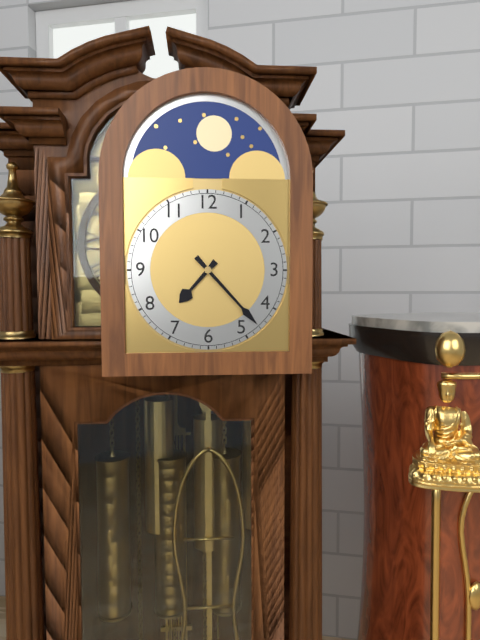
h=7 m=23
